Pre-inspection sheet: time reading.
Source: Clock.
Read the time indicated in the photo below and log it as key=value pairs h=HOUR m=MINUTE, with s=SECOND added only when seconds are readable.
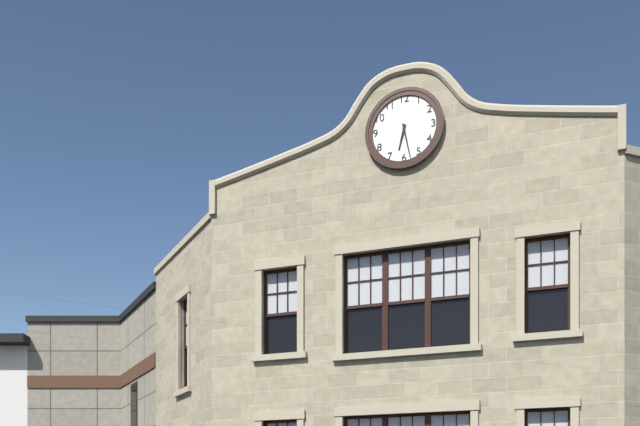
h=6 m=28
